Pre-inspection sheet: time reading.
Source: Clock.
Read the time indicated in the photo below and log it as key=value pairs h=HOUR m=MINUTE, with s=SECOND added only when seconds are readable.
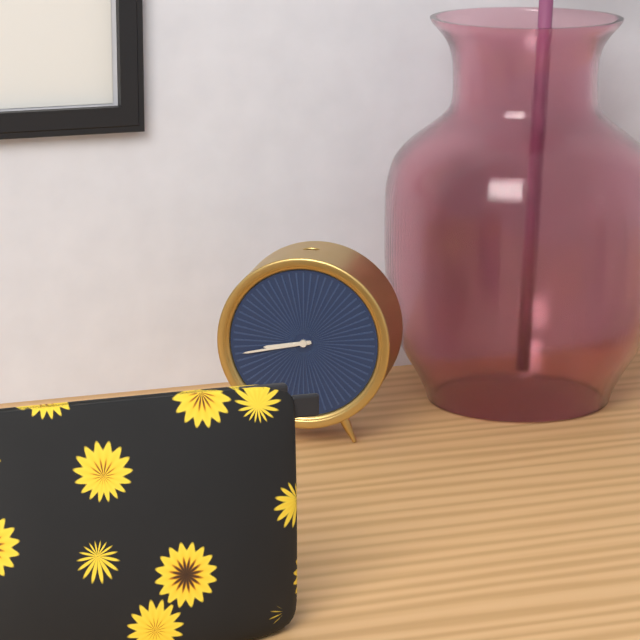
h=8 m=43
